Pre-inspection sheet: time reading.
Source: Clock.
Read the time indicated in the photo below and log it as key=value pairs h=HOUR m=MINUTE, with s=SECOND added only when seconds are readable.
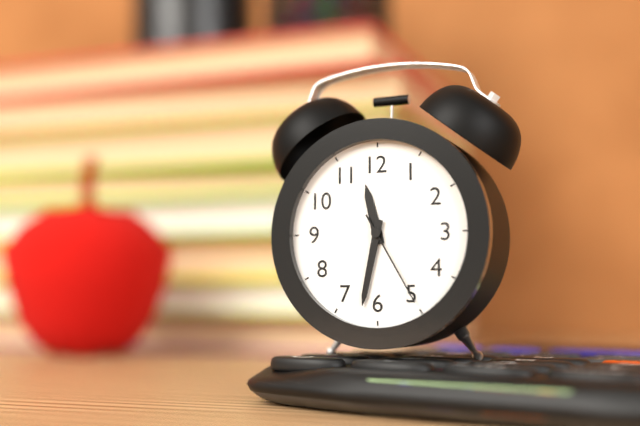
h=11 m=32 s=25
